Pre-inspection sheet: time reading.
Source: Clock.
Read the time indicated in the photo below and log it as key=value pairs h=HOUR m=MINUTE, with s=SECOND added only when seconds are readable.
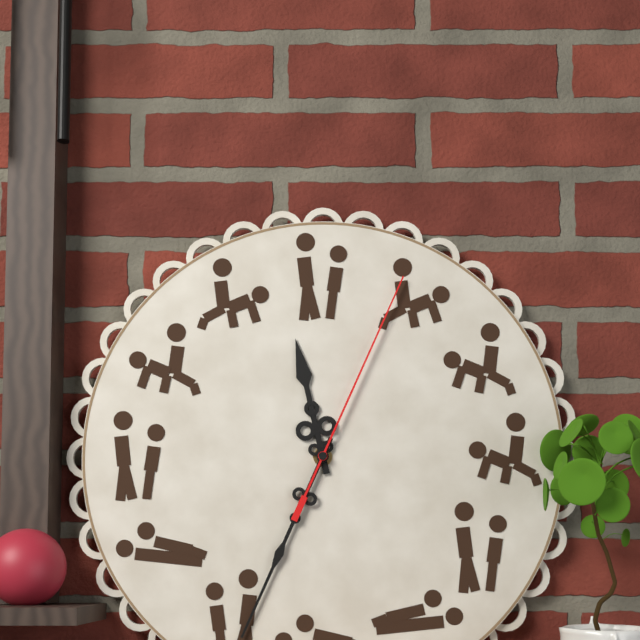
h=11 m=34 s=4
